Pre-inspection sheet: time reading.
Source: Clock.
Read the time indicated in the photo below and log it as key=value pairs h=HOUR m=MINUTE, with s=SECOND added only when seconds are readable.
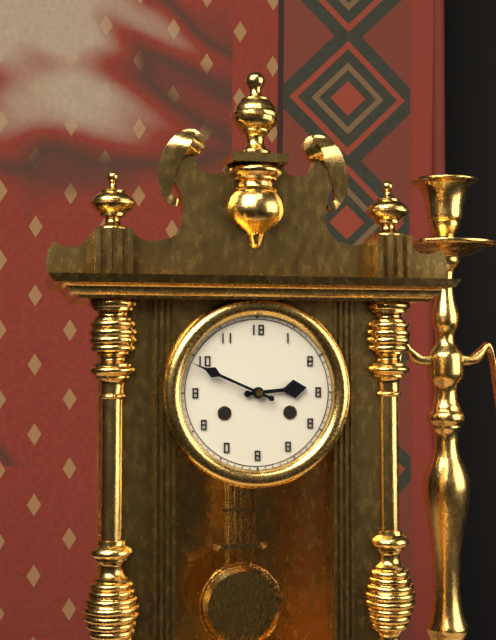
h=2 m=49
